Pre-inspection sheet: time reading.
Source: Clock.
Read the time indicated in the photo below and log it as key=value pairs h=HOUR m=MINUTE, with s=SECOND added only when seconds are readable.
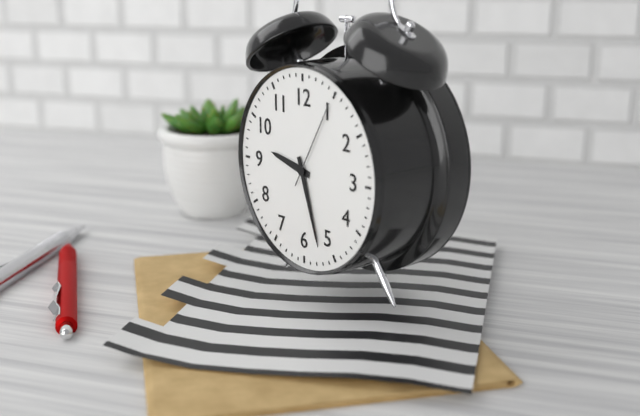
h=9 m=27 s=5
